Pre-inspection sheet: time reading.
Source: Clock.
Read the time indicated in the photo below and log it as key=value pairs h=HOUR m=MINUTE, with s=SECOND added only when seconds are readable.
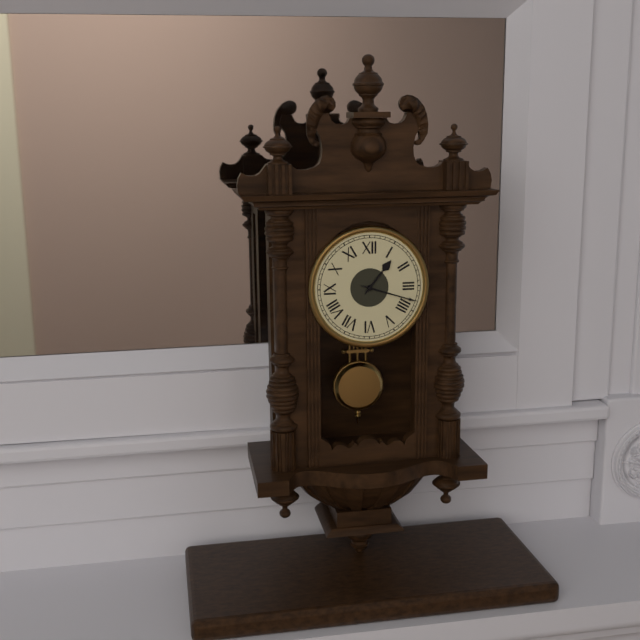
h=1 m=18
